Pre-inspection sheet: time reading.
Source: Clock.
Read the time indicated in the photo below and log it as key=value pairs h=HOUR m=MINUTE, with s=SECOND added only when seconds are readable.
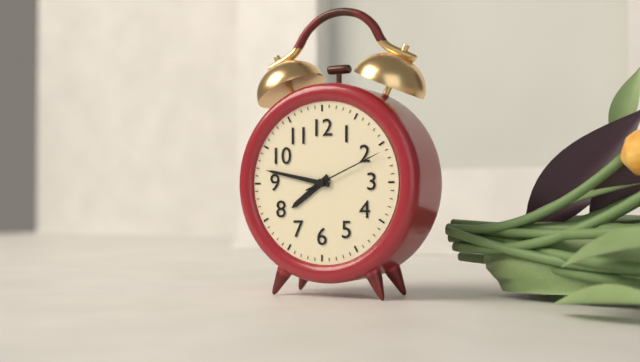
h=7 m=47 s=11
